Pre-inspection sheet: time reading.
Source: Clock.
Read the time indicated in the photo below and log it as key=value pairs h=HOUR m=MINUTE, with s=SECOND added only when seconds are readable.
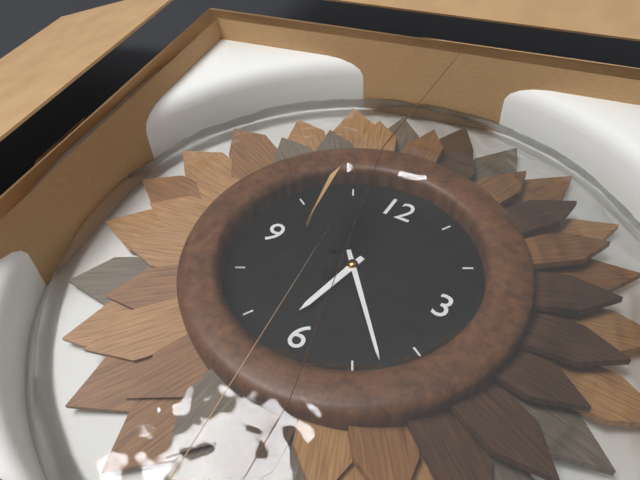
h=6 m=23
